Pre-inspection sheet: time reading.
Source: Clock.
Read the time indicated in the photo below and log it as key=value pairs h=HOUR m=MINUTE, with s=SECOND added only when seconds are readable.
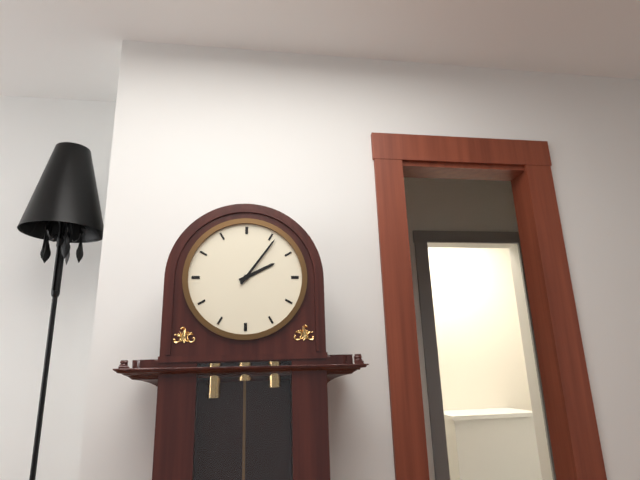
h=2 m=6
